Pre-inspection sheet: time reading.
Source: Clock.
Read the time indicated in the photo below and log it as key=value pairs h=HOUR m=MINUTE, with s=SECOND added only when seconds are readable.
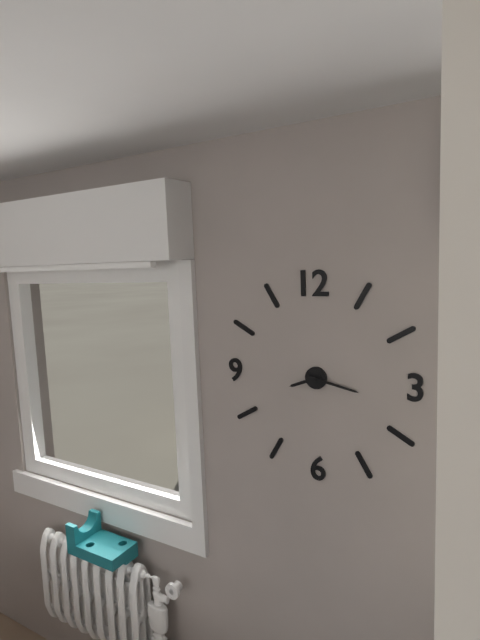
h=8 m=17
